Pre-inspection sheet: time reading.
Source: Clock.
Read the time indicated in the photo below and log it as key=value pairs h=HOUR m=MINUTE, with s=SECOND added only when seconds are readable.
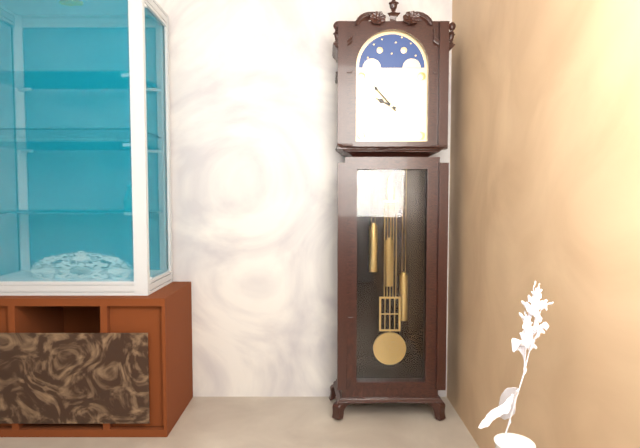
h=9 m=53
